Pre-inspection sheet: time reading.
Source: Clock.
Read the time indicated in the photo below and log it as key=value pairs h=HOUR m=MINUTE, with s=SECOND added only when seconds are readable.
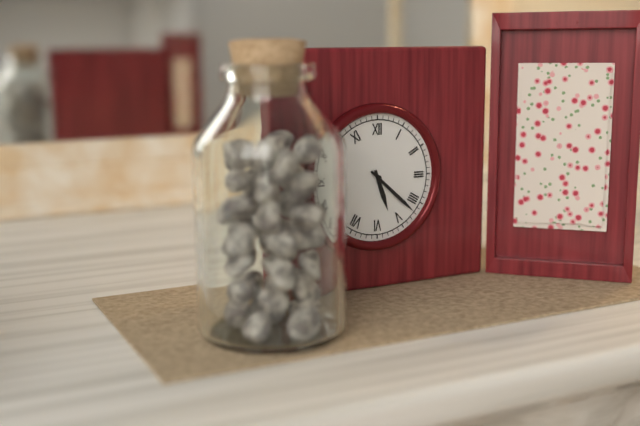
h=5 m=22
